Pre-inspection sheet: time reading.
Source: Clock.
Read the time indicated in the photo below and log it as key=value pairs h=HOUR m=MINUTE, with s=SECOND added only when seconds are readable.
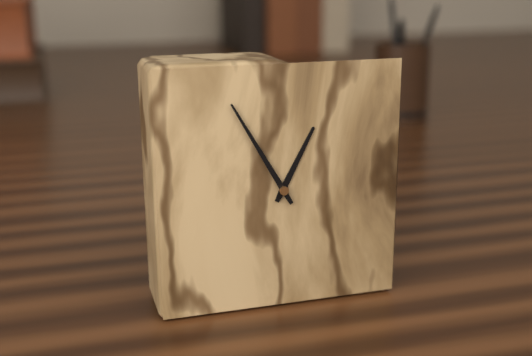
h=12 m=55
